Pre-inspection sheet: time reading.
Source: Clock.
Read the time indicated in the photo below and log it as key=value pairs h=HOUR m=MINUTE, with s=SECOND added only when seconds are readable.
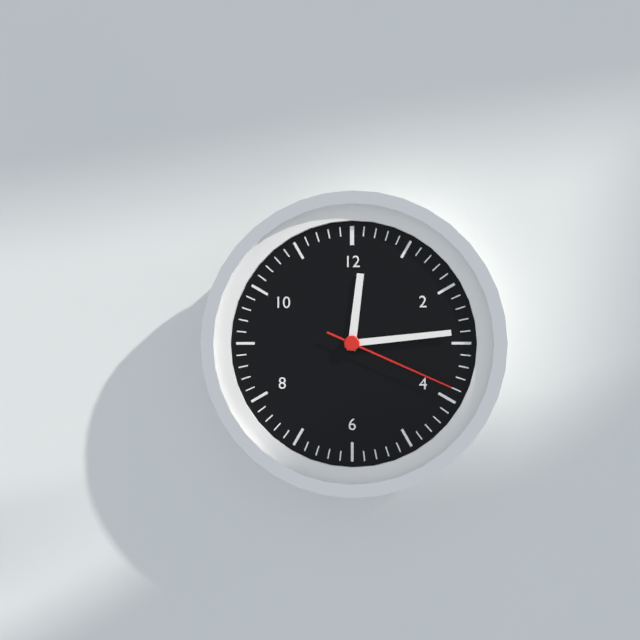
h=12 m=14 s=19
